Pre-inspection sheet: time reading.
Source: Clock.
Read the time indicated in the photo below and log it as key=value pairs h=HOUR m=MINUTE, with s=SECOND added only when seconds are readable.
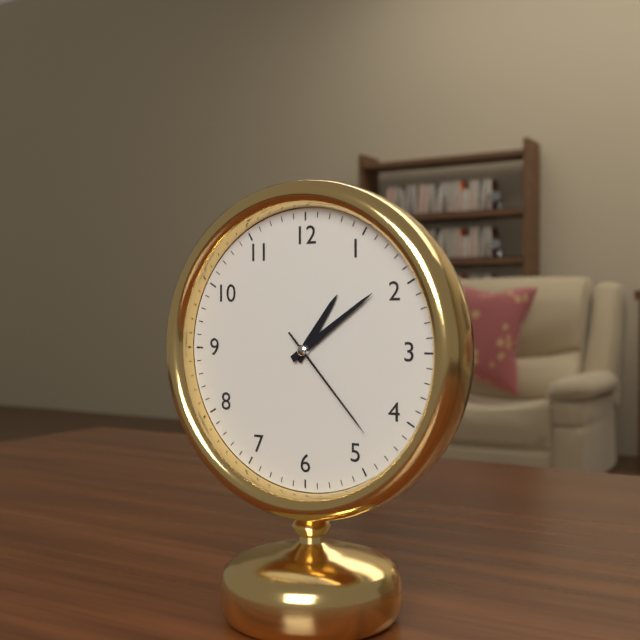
h=1 m=9 s=23
